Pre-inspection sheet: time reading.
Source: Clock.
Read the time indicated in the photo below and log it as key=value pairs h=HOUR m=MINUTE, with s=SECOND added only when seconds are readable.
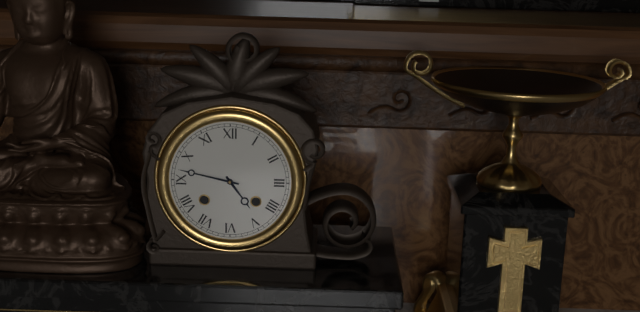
h=4 m=47
